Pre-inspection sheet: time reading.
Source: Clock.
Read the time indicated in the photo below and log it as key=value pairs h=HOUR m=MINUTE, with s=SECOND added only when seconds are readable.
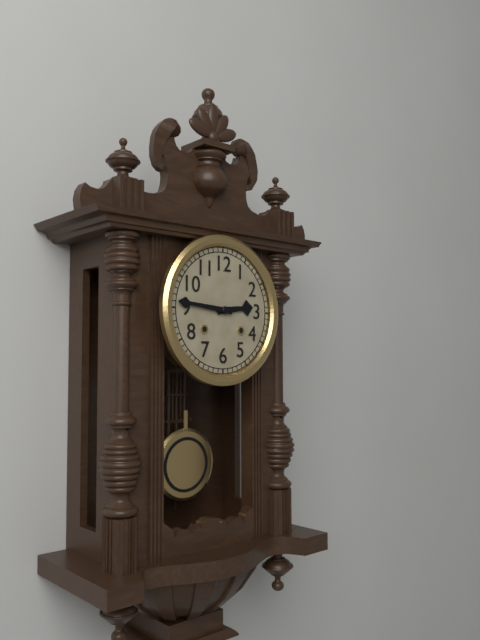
h=2 m=46
